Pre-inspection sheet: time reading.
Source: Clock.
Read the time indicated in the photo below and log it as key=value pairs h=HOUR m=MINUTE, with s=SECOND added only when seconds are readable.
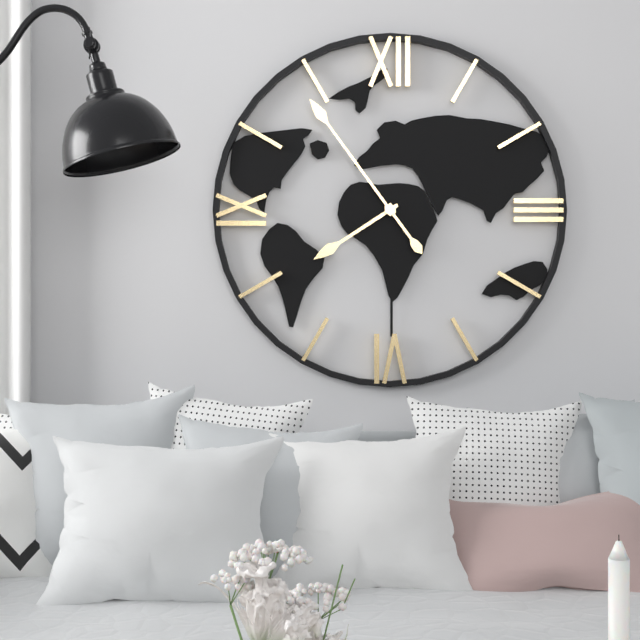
h=7 m=54
